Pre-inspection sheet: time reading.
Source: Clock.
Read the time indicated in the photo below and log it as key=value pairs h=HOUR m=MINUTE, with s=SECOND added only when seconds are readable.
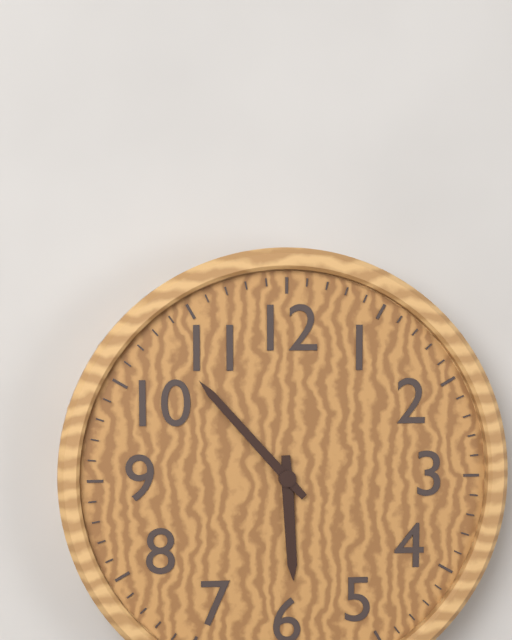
h=5 m=53
